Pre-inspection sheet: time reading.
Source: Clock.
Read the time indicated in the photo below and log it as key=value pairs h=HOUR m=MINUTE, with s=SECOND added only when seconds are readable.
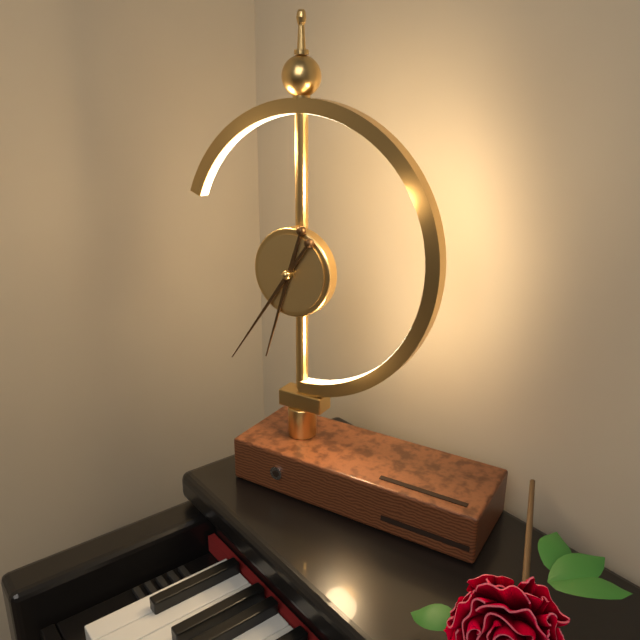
h=6 m=36
